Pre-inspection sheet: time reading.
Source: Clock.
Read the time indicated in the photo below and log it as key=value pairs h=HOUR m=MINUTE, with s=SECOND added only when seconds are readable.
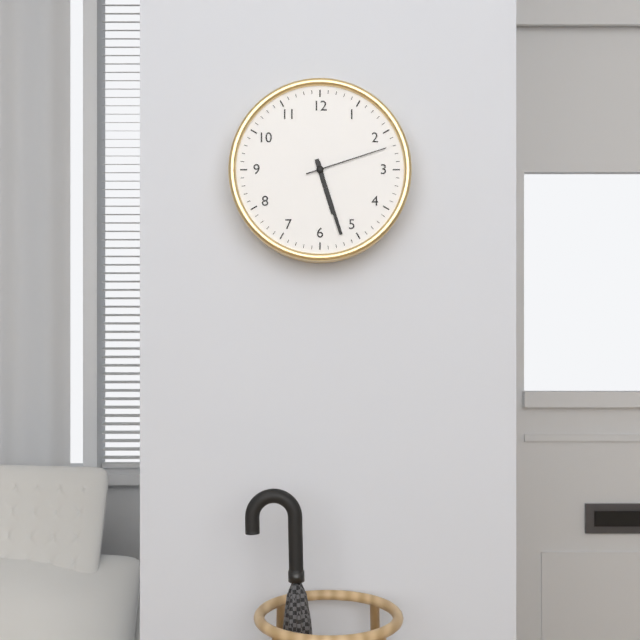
h=5 m=27 s=12
